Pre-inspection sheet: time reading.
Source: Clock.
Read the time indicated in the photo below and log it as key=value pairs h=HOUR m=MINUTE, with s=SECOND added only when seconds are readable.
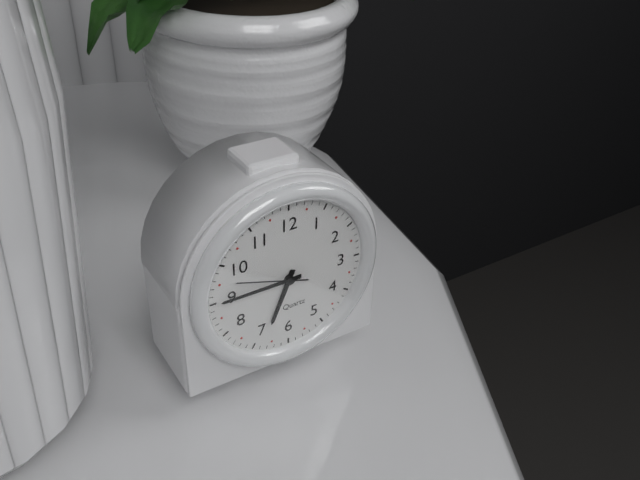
h=6 m=45 s=48
